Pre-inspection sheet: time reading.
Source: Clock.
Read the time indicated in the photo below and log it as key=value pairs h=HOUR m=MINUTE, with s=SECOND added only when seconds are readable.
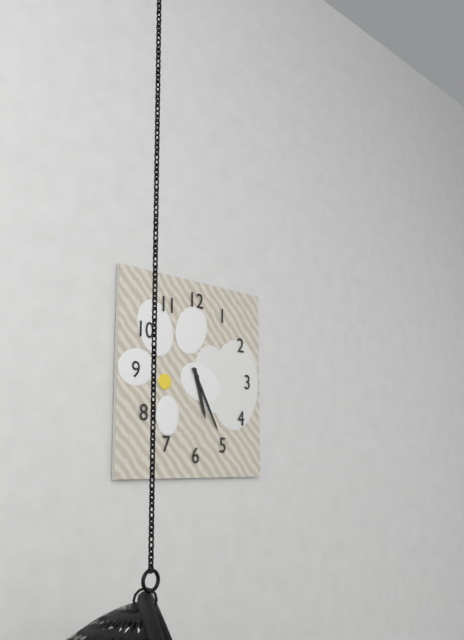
h=5 m=25
